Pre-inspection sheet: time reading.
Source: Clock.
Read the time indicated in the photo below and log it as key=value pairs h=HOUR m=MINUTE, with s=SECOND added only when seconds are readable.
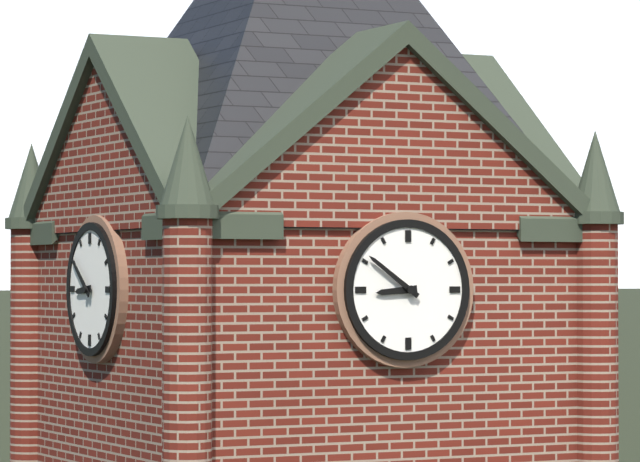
h=8 m=51
